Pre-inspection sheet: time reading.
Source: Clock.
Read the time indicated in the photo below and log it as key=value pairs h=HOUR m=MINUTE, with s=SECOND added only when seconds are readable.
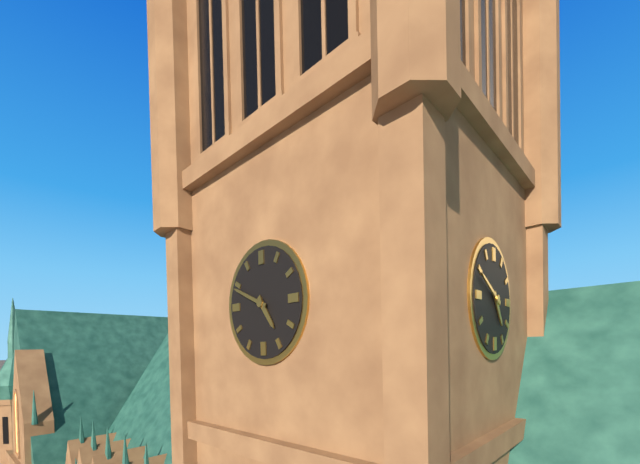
h=4 m=49
